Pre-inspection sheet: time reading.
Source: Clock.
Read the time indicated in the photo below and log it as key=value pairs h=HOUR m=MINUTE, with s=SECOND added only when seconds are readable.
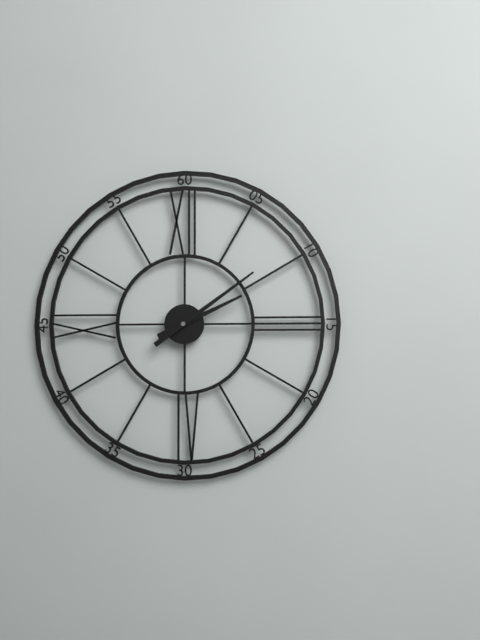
h=2 m=9
